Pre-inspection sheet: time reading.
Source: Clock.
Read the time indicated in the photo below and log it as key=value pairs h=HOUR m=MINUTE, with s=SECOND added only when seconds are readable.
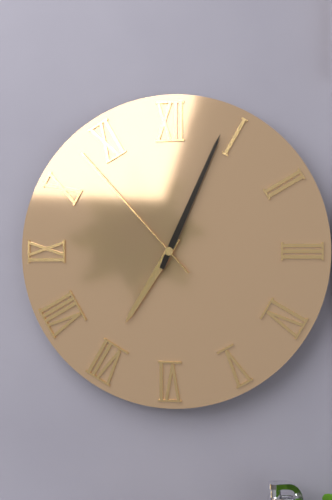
h=7 m=4 s=53
